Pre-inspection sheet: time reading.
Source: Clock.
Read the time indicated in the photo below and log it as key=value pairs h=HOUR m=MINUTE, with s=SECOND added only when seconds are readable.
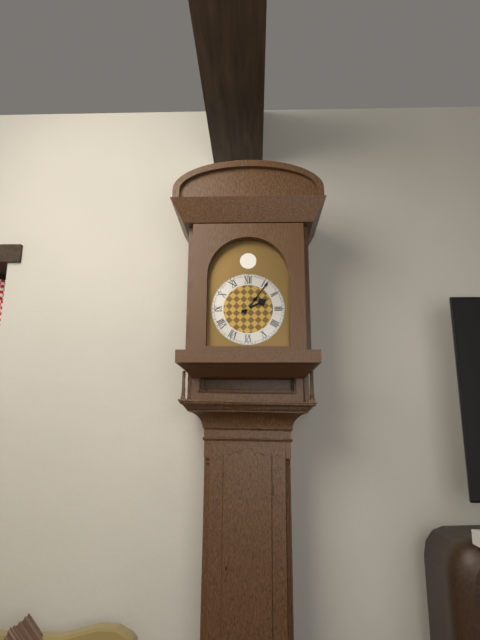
h=2 m=6
